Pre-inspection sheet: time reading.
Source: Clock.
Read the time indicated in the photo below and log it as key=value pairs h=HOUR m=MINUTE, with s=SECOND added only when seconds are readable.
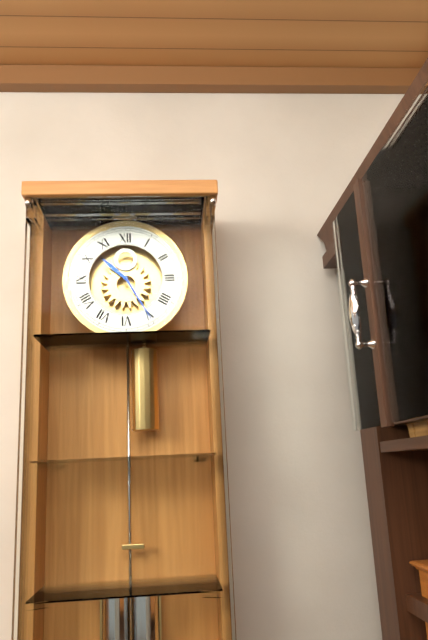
h=10 m=25
